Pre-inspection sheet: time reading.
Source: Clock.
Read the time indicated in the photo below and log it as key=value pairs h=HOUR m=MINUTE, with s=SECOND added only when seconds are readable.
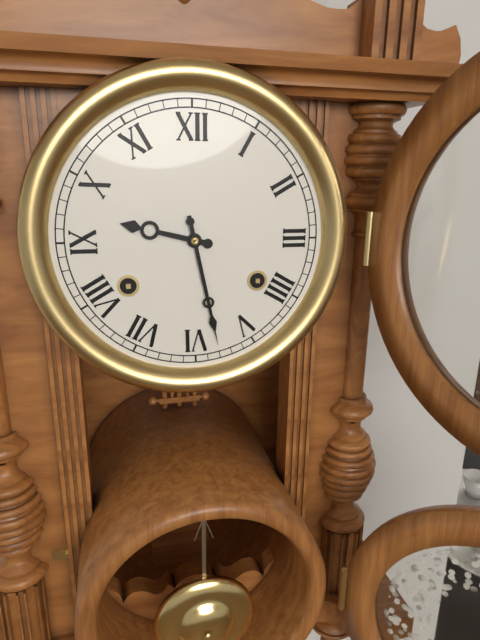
h=9 m=28
